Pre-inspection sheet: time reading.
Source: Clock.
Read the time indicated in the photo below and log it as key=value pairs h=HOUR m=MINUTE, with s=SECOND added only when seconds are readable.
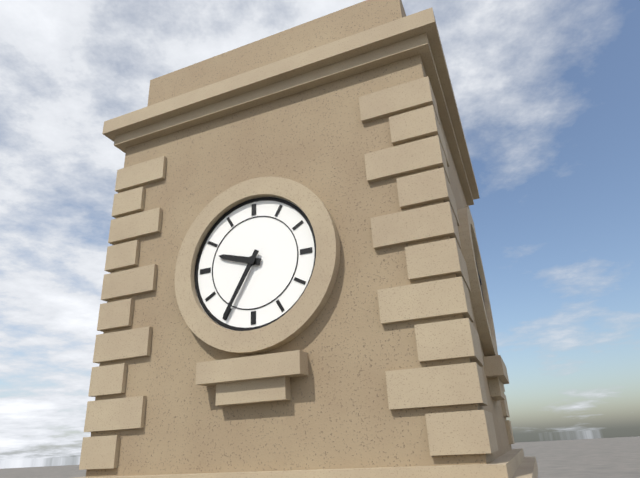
h=9 m=35
